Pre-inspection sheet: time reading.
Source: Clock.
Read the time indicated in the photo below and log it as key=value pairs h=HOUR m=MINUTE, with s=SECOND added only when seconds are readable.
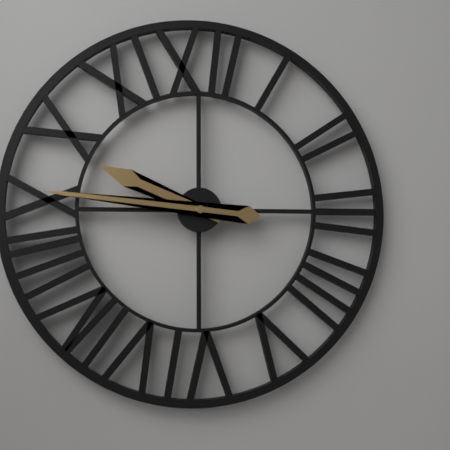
h=9 m=46
